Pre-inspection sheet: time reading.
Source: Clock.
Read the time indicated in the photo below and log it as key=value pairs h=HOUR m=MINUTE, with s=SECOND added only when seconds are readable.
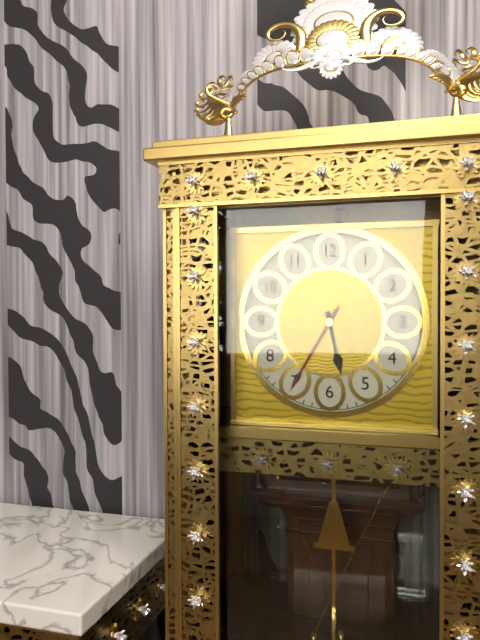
h=5 m=35 s=35
